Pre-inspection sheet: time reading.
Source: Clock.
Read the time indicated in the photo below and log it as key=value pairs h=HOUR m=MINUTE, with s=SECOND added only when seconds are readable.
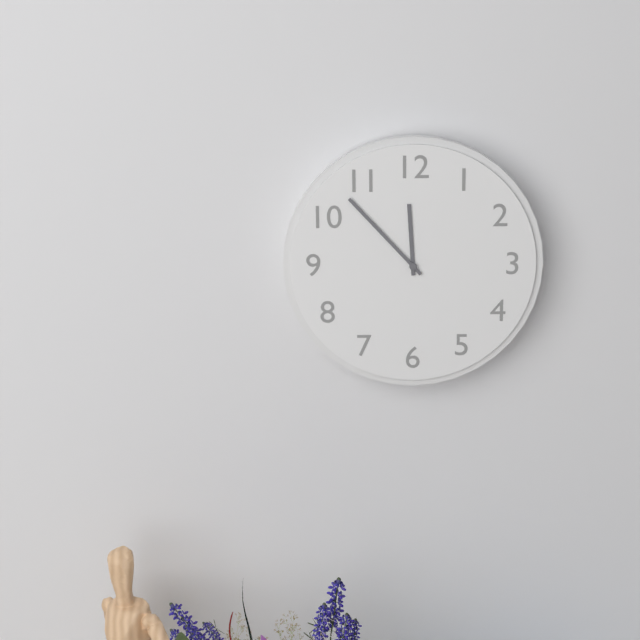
h=11 m=53
